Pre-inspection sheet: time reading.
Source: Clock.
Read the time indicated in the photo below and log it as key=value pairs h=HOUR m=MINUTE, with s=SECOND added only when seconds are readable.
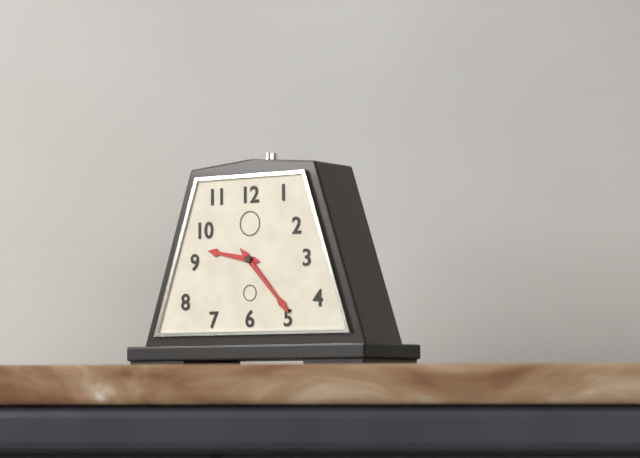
h=9 m=23
